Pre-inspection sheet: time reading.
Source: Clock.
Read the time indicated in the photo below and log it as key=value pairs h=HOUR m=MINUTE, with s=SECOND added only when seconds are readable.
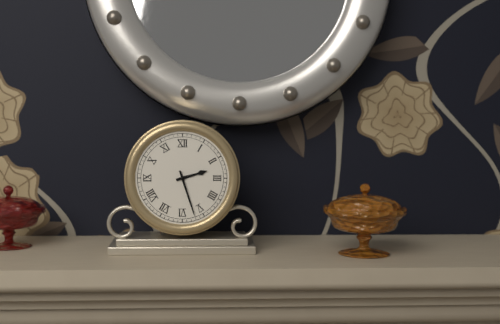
h=2 m=27
